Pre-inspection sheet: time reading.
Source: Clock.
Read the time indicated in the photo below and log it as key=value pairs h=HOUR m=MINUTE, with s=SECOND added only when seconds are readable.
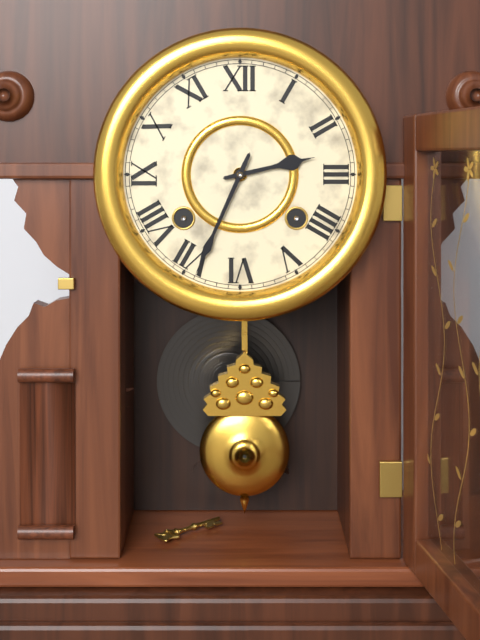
h=2 m=34
